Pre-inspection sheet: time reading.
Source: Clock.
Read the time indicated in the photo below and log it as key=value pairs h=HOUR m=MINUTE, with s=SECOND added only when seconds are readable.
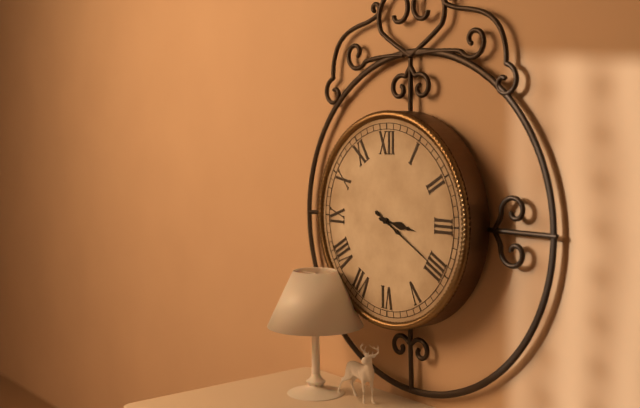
h=3 m=20
